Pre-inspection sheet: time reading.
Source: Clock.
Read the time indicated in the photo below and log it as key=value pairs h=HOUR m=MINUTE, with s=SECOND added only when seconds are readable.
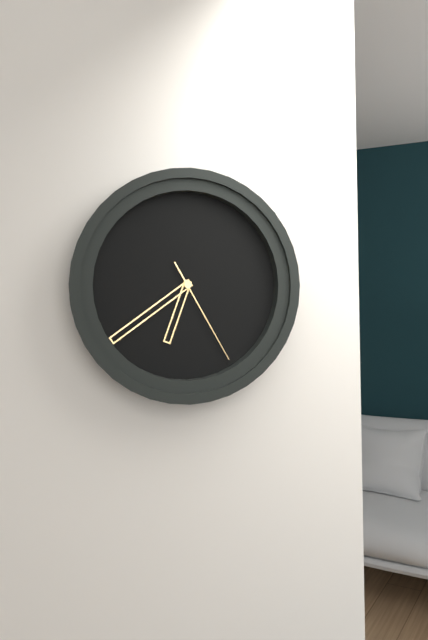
h=6 m=39 s=25
